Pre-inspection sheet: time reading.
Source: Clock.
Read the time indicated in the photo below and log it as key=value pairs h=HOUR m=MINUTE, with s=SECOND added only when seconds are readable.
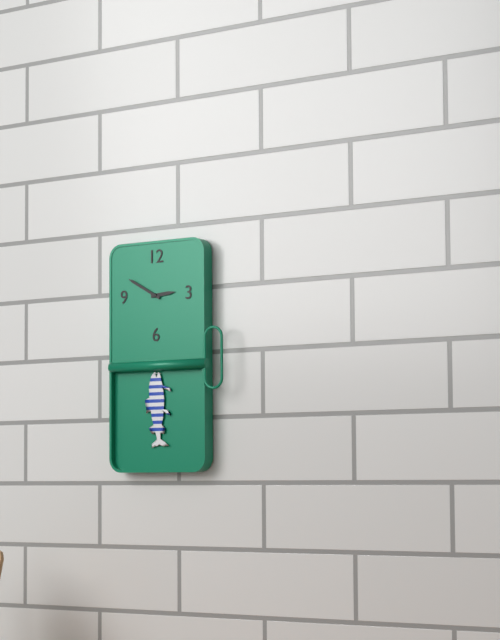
h=2 m=50
